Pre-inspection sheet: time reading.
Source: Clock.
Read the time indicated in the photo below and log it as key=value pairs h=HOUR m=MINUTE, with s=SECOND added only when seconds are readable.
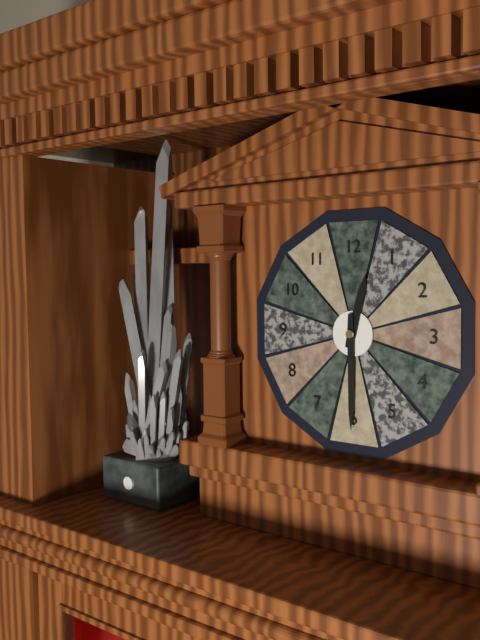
h=12 m=30
